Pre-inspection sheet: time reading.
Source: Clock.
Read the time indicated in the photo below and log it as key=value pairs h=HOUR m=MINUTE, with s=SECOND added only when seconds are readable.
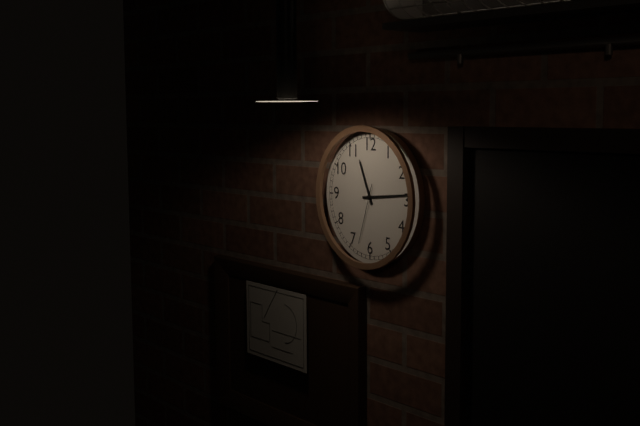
h=11 m=14 s=33
